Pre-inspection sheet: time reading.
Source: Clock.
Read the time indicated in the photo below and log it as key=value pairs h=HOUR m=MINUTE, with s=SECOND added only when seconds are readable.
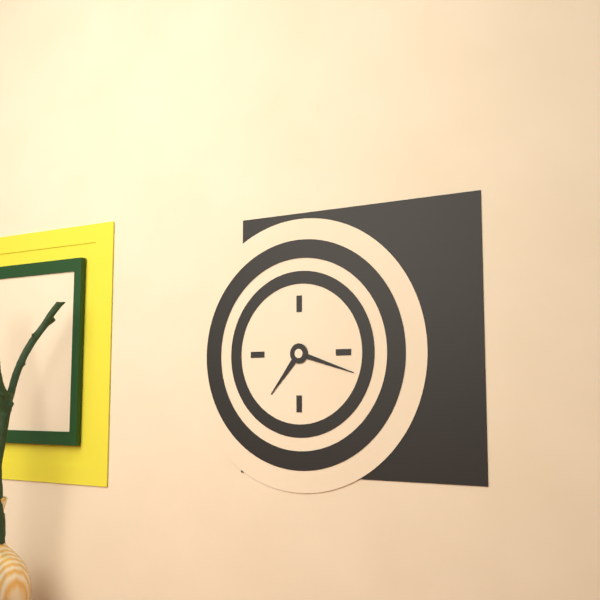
h=7 m=18
